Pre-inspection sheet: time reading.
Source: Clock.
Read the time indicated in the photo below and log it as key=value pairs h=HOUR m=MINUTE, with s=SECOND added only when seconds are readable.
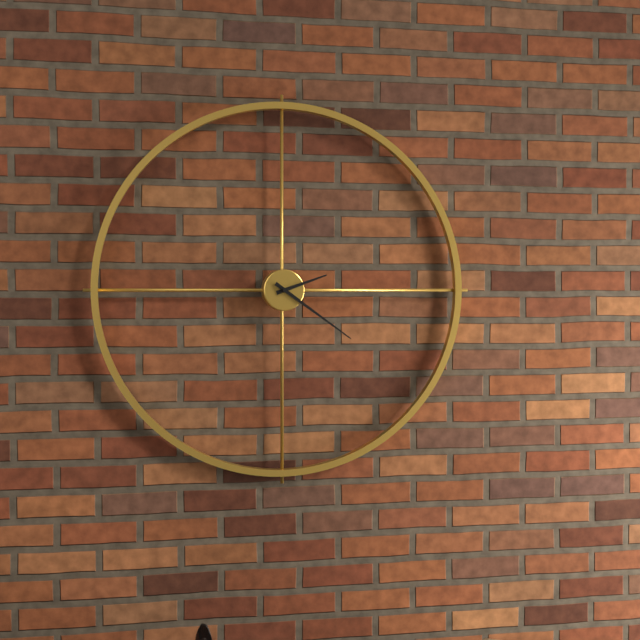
h=2 m=21
